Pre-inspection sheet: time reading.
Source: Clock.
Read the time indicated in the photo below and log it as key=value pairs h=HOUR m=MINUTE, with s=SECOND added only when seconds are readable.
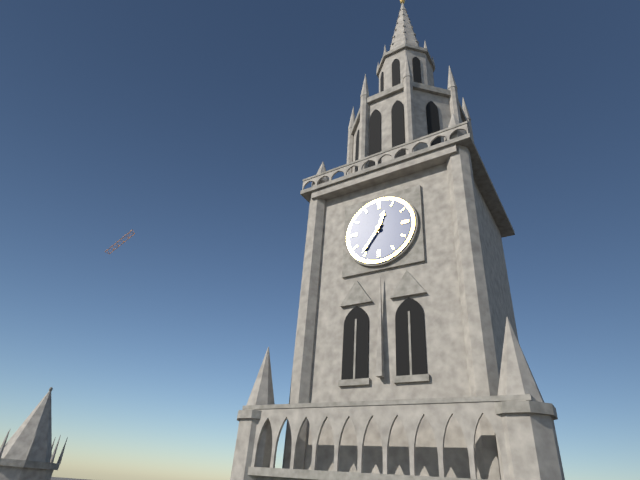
h=12 m=36
